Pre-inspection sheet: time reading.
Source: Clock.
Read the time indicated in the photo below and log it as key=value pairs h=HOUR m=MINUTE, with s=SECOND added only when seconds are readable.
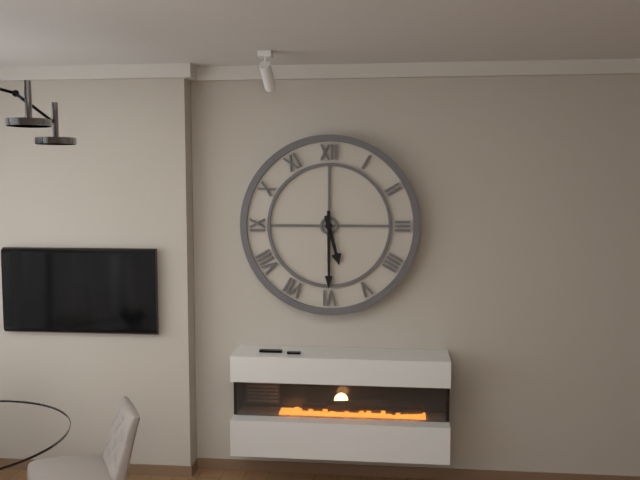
h=5 m=30
